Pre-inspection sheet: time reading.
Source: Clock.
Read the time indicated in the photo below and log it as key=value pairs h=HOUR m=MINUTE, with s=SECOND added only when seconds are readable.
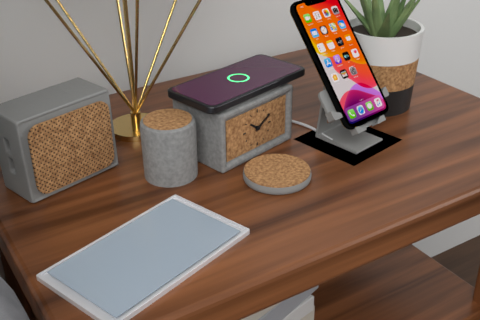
h=10 m=10
